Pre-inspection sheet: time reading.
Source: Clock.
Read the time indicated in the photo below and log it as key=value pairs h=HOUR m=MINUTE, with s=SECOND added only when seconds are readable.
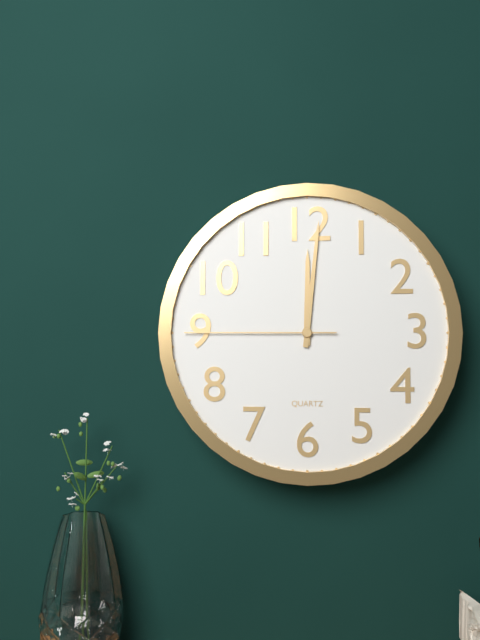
h=12 m=1 s=45
